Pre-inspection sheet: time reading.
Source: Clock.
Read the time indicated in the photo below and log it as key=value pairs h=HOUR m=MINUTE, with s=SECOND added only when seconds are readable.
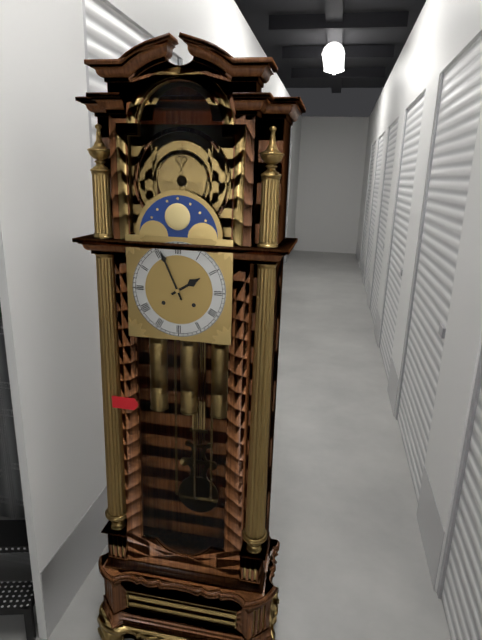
h=1 m=56
